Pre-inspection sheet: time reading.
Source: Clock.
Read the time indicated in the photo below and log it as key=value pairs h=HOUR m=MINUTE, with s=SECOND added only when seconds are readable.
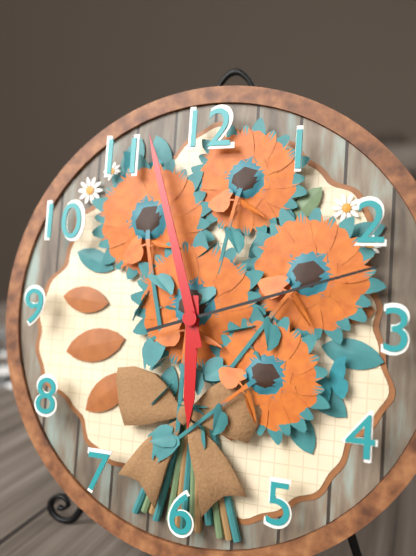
h=5 m=57 s=12
